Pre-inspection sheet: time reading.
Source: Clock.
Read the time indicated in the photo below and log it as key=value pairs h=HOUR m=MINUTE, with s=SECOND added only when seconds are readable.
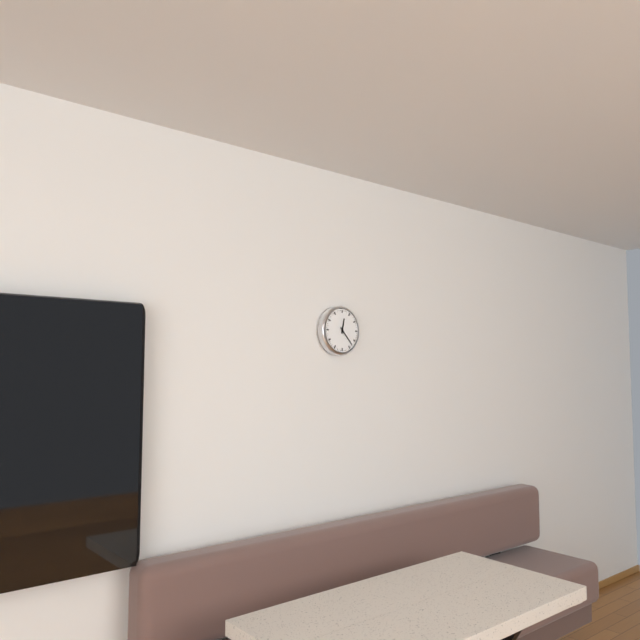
h=12 m=23
